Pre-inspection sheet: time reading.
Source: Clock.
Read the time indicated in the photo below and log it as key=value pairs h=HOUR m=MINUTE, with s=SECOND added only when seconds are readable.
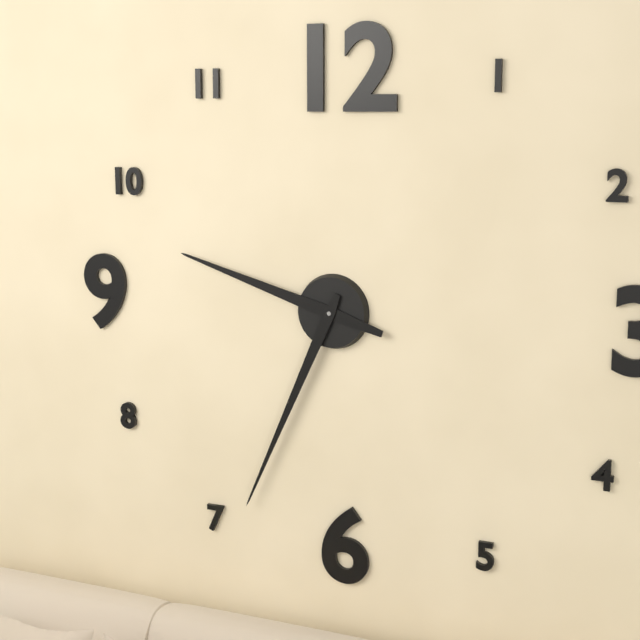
h=9 m=34
